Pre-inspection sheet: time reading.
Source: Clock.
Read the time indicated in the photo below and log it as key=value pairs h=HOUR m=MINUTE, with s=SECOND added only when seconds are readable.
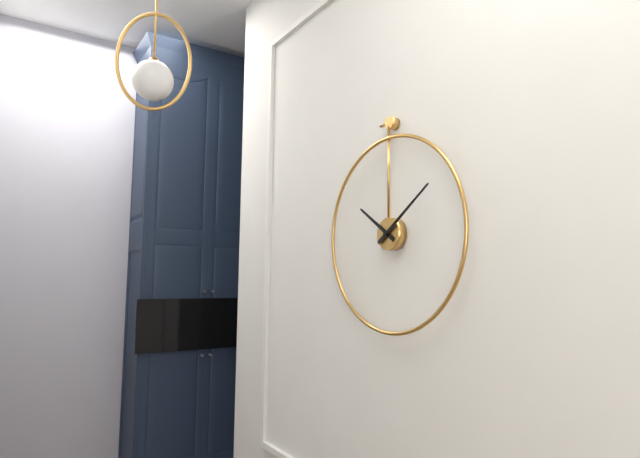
h=10 m=9
